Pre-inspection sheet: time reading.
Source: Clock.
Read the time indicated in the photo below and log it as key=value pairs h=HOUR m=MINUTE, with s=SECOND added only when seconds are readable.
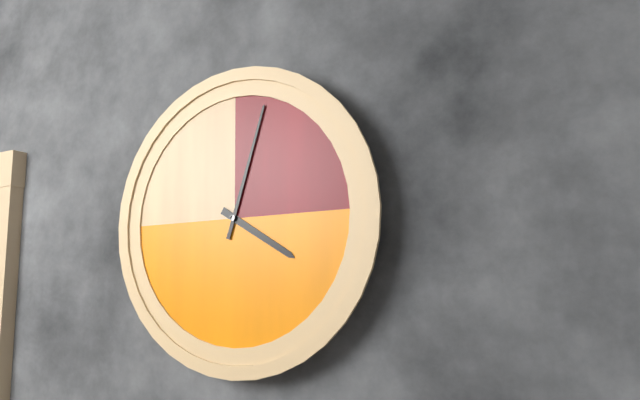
h=4 m=3
